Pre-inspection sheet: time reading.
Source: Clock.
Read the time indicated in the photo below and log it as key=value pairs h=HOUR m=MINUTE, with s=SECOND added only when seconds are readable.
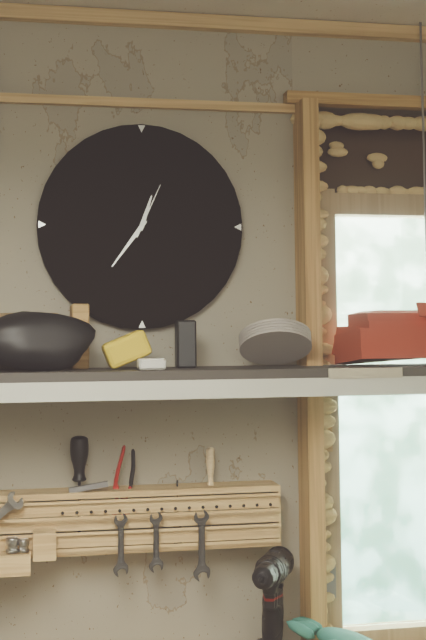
h=12 m=36 s=4
